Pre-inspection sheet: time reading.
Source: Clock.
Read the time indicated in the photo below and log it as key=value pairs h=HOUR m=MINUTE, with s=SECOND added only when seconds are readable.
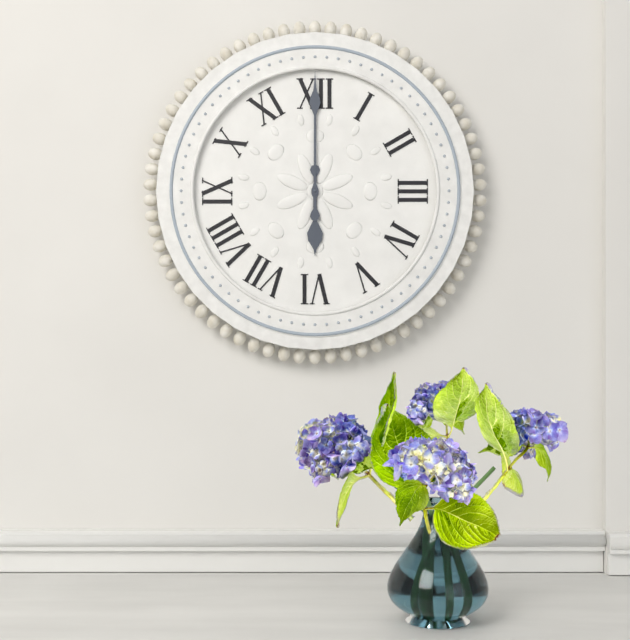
h=6 m=0
